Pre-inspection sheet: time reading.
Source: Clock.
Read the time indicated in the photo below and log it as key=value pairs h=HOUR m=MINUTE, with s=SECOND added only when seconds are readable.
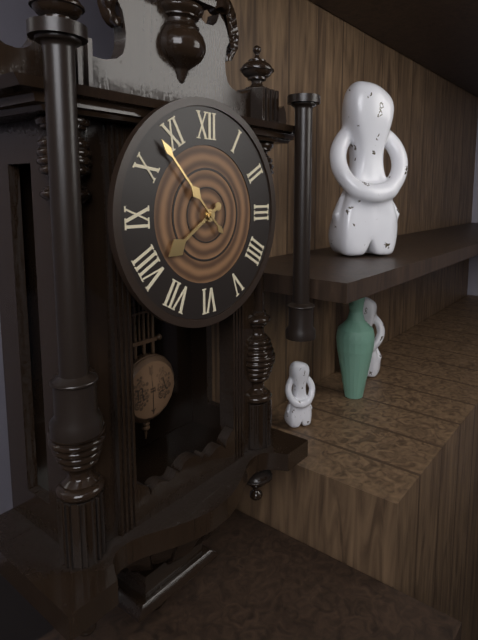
h=7 m=53
